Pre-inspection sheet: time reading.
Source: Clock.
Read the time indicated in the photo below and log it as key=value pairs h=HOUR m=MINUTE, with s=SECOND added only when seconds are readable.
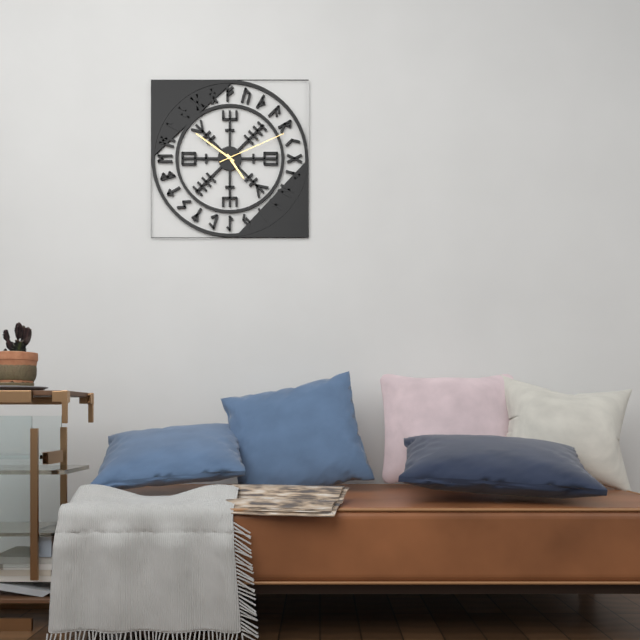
h=4 m=51 s=11
